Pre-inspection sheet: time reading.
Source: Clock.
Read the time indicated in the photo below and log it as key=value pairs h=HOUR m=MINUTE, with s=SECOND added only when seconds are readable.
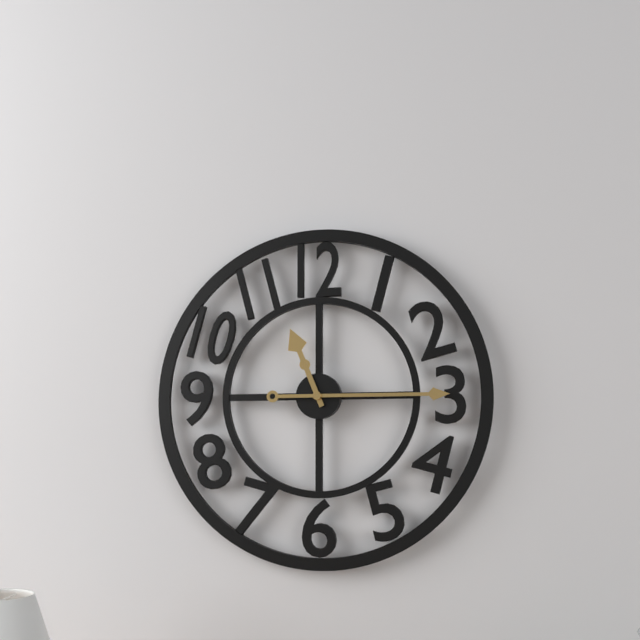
h=11 m=15
